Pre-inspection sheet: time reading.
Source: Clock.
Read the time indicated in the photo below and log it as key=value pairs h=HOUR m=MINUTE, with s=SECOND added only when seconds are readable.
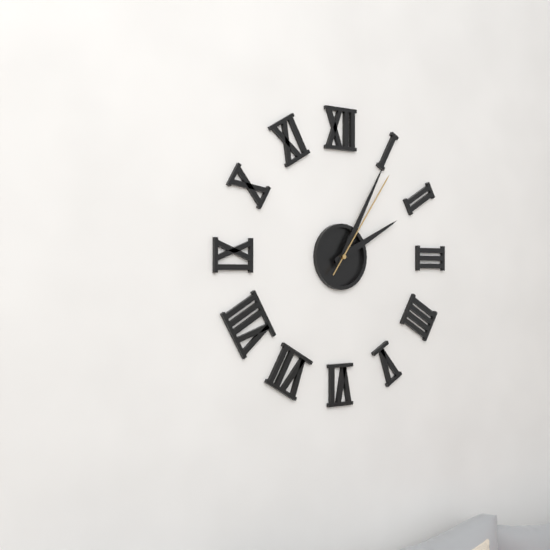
h=2 m=5 s=6
